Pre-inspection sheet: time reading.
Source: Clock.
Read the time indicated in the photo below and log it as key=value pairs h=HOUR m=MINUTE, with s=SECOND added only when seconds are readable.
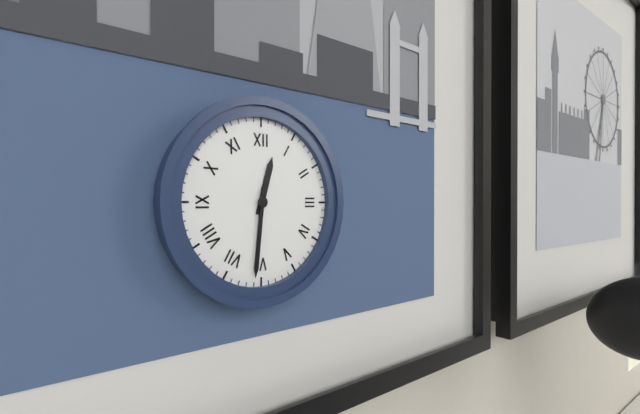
h=12 m=31
